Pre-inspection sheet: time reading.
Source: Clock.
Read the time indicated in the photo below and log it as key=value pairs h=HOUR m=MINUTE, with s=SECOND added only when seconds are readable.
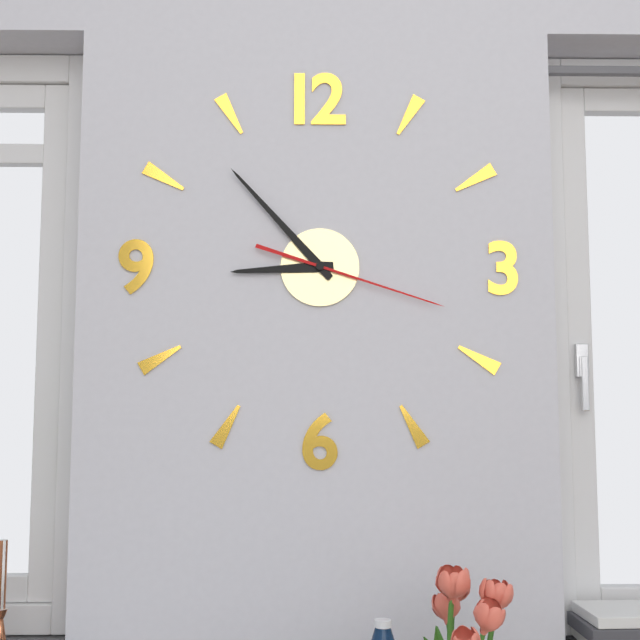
h=8 m=53 s=18
